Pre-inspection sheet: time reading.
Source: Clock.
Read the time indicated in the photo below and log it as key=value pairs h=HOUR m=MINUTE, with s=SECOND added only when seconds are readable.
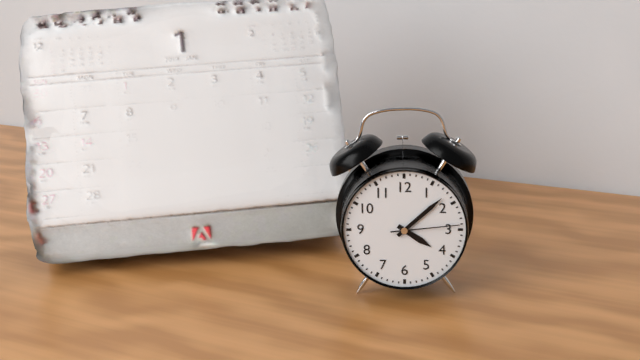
h=4 m=8 s=14
